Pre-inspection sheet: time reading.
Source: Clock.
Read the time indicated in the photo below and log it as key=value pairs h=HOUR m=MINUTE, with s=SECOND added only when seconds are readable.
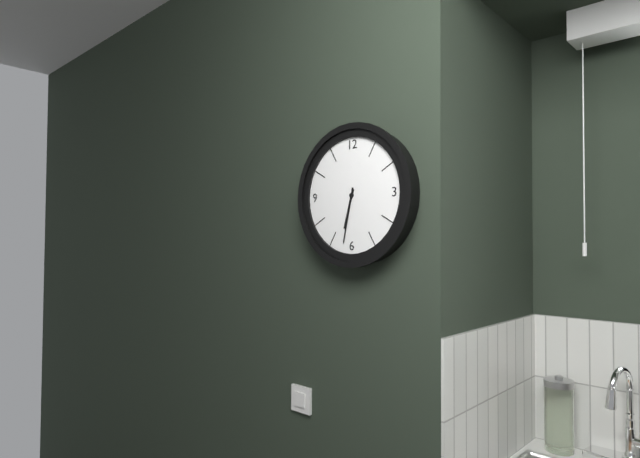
h=6 m=32
